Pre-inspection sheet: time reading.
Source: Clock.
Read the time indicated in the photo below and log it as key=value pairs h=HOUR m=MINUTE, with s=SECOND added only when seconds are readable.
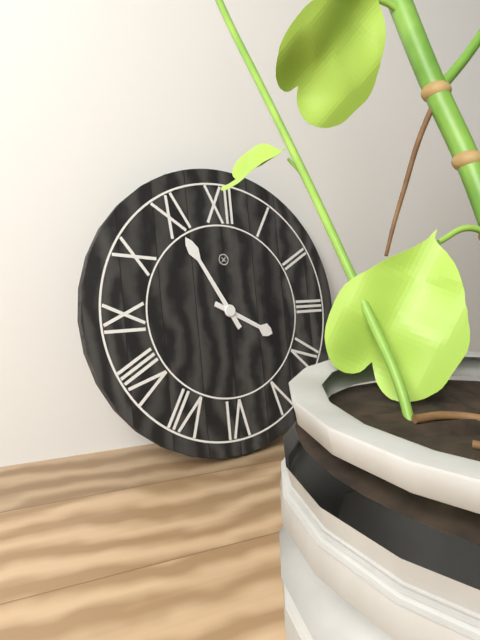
h=3 m=55
